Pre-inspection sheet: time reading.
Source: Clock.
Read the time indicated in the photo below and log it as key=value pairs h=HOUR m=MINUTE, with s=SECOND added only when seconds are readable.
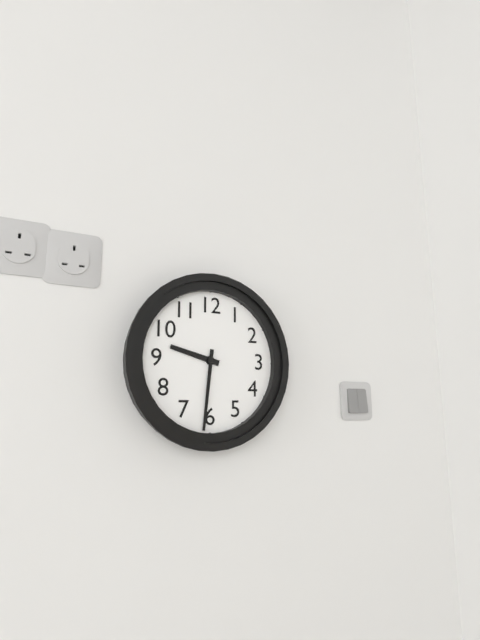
h=9 m=31
